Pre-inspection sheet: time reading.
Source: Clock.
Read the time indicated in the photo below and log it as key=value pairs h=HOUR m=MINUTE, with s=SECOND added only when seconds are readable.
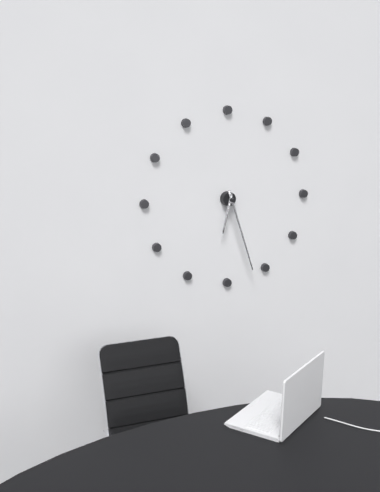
h=6 m=27
